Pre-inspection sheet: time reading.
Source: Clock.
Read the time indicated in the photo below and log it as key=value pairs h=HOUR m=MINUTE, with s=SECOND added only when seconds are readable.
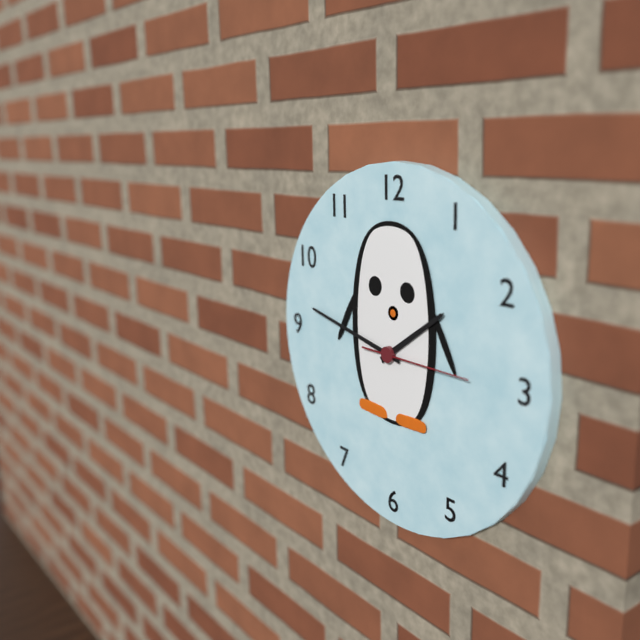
h=1 m=47 s=15
